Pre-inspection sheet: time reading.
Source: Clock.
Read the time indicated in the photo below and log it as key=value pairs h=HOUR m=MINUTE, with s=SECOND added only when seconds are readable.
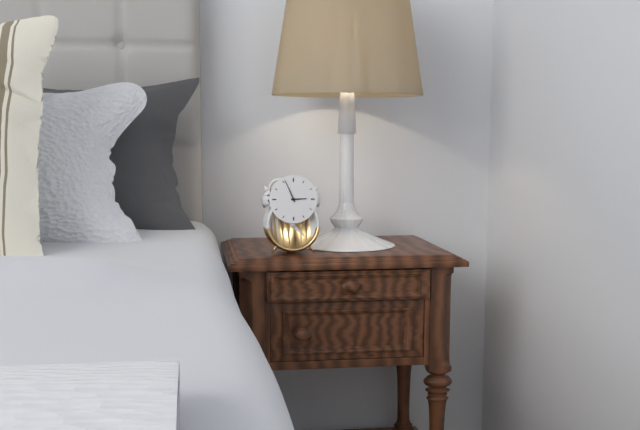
h=2 m=56
